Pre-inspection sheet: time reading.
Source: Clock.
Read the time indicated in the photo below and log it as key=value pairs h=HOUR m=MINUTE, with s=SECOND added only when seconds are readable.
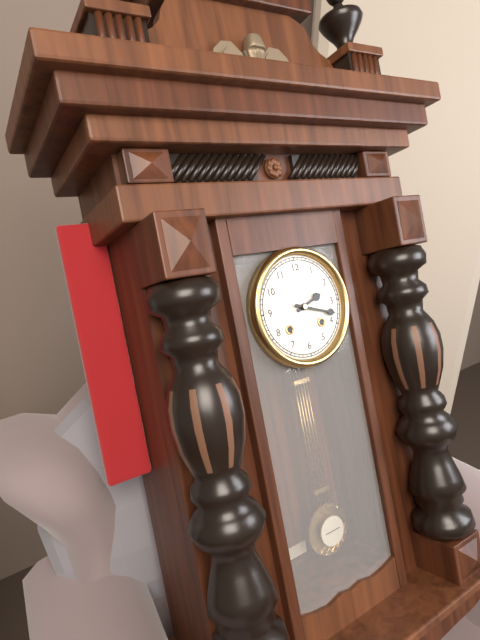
h=2 m=18
